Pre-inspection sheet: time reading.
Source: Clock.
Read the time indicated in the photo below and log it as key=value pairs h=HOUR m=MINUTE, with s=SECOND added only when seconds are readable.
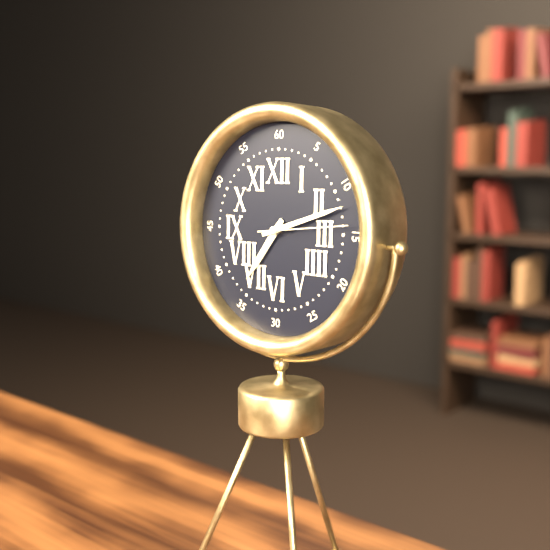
h=7 m=12 s=14
